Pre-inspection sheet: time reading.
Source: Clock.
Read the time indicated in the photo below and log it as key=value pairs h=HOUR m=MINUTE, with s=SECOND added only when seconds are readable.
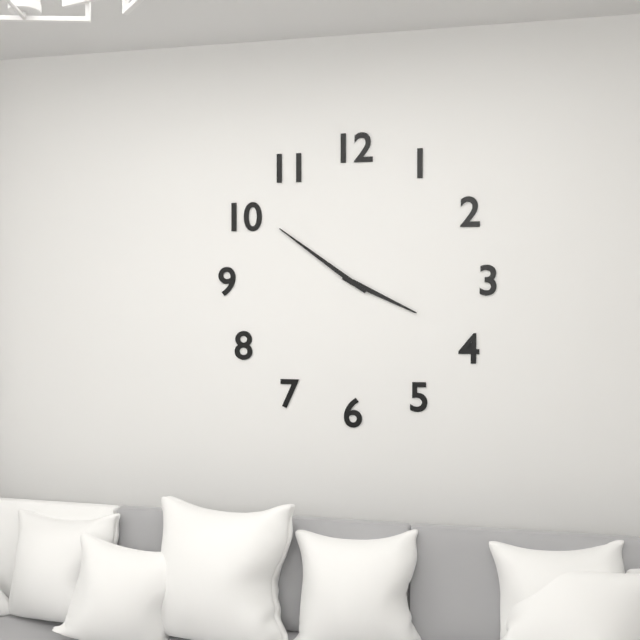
h=3 m=51
